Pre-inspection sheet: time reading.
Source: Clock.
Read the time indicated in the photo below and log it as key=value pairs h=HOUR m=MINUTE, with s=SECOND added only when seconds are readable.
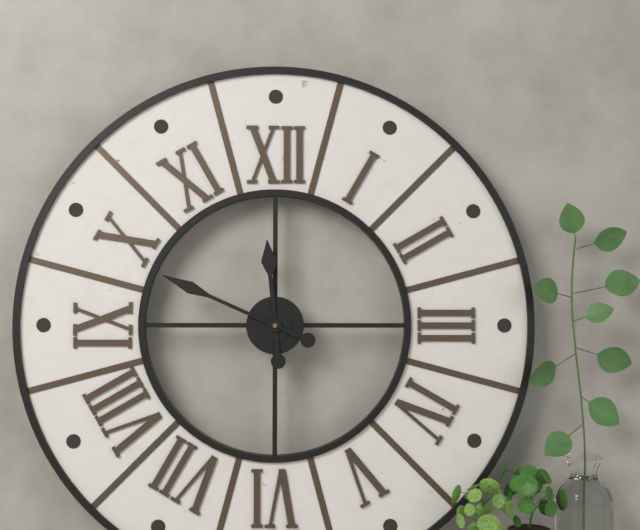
h=11 m=49
